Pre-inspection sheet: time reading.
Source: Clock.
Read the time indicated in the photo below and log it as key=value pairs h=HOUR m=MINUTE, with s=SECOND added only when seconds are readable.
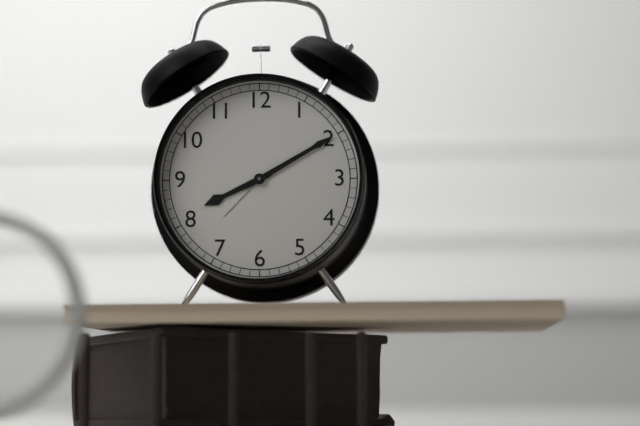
h=8 m=10
